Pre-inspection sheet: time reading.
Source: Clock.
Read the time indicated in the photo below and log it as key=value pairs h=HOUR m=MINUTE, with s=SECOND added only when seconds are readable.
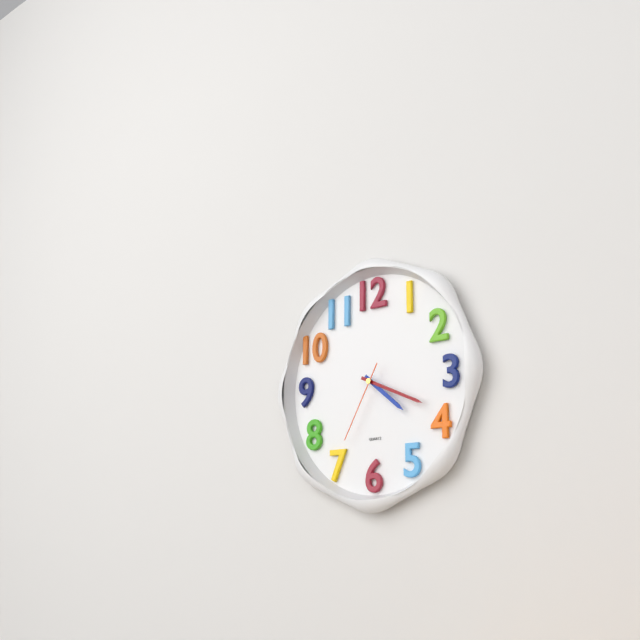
h=4 m=19 s=35
